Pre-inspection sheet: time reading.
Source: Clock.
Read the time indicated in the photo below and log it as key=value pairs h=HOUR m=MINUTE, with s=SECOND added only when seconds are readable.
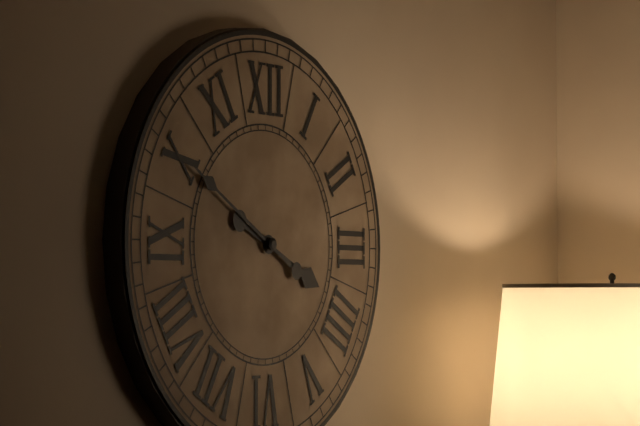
h=3 m=50
